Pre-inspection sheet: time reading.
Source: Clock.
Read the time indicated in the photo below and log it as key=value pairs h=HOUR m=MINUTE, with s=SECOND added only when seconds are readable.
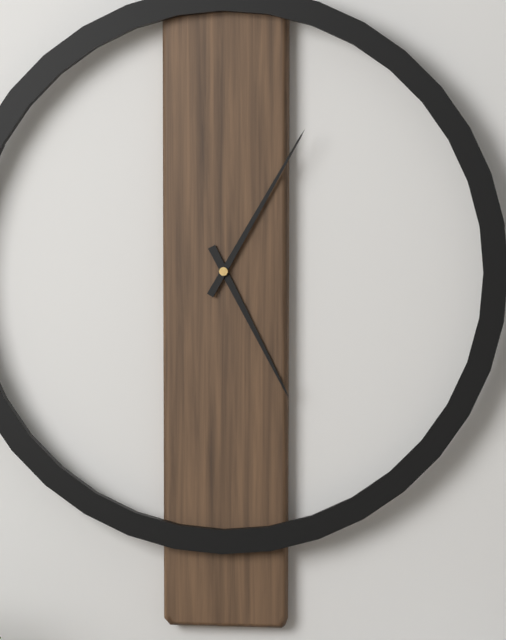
h=5 m=5
